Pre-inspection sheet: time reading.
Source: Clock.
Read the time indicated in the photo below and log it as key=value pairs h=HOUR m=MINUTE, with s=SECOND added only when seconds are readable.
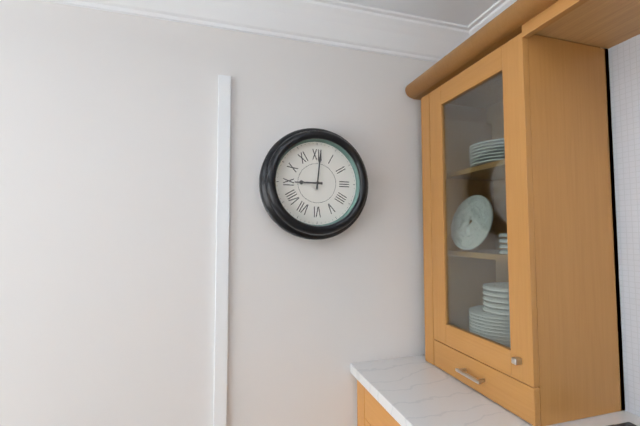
h=9 m=1
